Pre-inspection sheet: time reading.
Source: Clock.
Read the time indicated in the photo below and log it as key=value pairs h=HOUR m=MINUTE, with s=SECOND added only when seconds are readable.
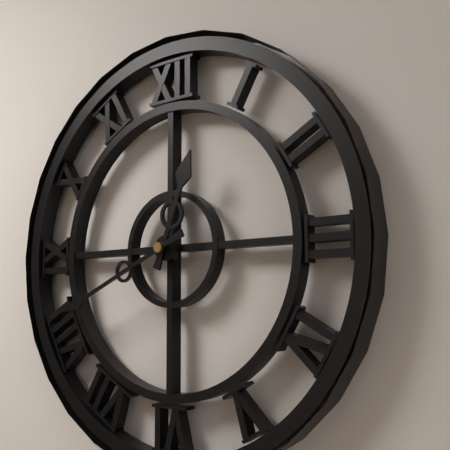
h=12 m=41
